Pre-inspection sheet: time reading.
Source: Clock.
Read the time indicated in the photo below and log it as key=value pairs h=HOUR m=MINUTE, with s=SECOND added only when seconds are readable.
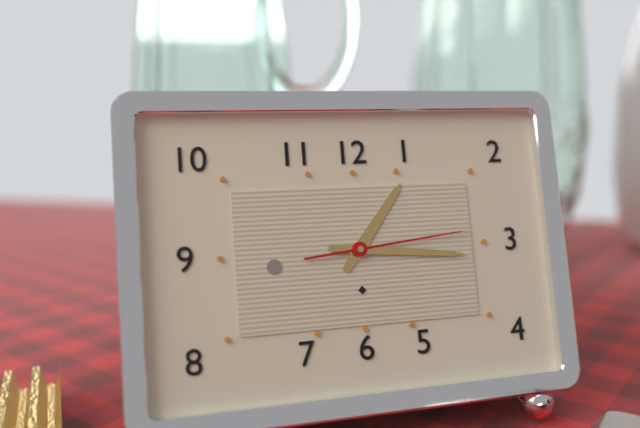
h=1 m=16 s=14
